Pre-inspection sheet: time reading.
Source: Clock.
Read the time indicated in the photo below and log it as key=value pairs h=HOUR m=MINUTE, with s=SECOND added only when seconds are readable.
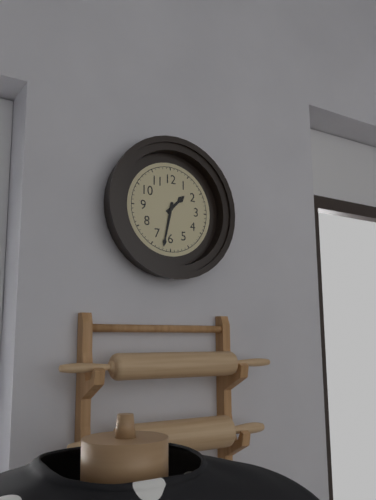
h=1 m=32
